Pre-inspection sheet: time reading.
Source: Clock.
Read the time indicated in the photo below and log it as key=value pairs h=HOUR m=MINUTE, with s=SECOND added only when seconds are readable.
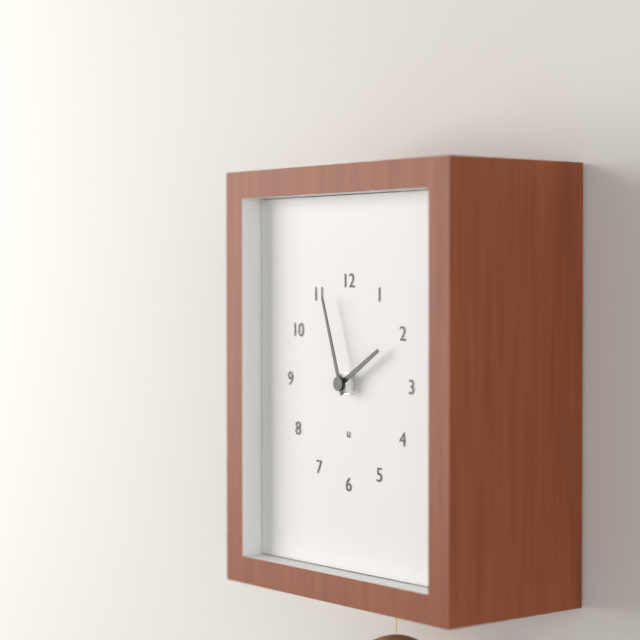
h=1 m=57
